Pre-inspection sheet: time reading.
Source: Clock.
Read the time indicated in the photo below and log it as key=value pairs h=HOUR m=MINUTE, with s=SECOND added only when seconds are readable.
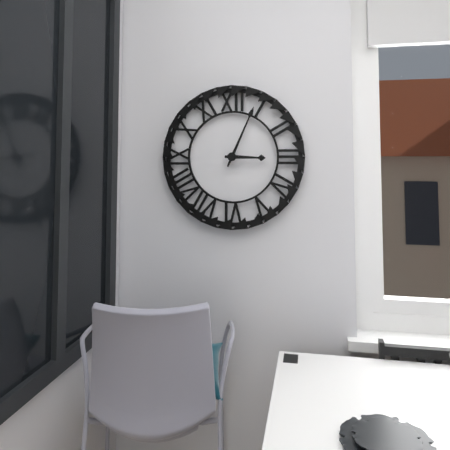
h=3 m=4
